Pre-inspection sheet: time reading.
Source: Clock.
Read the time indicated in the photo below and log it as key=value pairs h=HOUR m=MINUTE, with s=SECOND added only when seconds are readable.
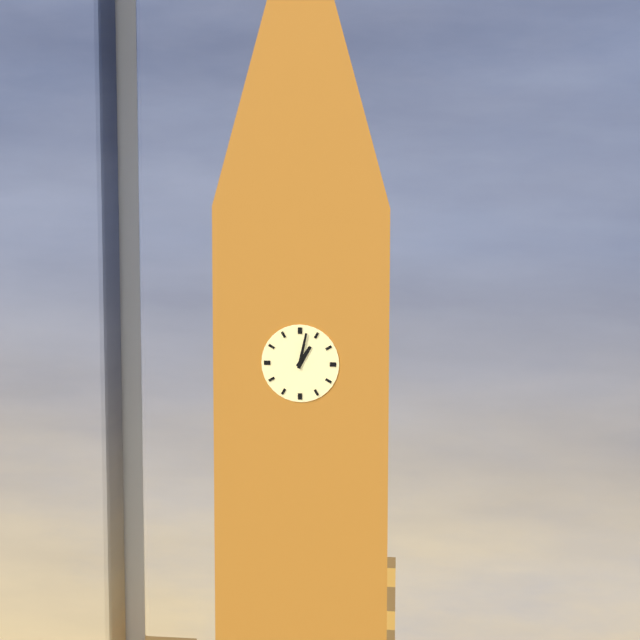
h=1 m=2
